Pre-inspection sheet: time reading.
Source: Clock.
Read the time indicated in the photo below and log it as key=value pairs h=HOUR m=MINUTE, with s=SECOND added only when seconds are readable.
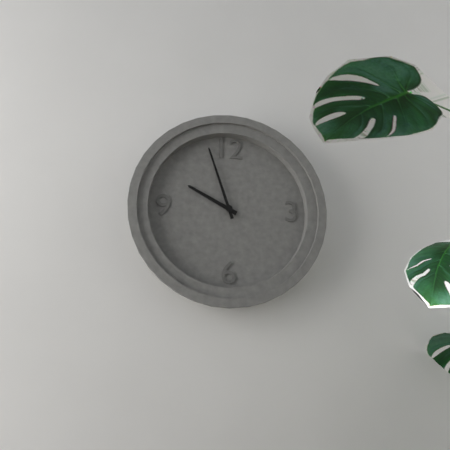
h=9 m=57
